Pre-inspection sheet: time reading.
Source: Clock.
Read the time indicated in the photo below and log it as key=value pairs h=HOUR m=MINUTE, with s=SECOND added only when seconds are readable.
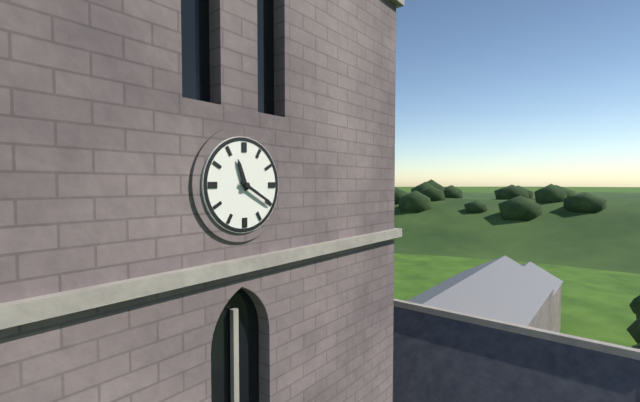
h=11 m=20
